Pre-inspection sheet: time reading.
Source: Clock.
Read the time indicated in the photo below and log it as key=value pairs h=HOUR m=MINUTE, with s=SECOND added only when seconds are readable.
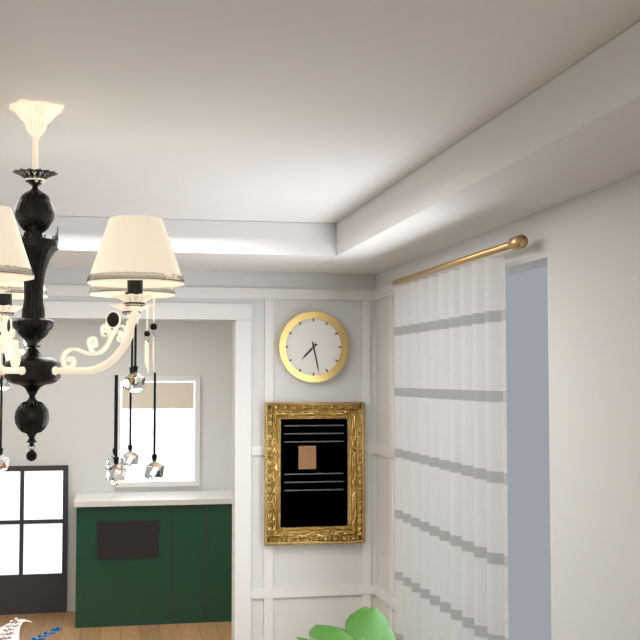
h=7 m=28
